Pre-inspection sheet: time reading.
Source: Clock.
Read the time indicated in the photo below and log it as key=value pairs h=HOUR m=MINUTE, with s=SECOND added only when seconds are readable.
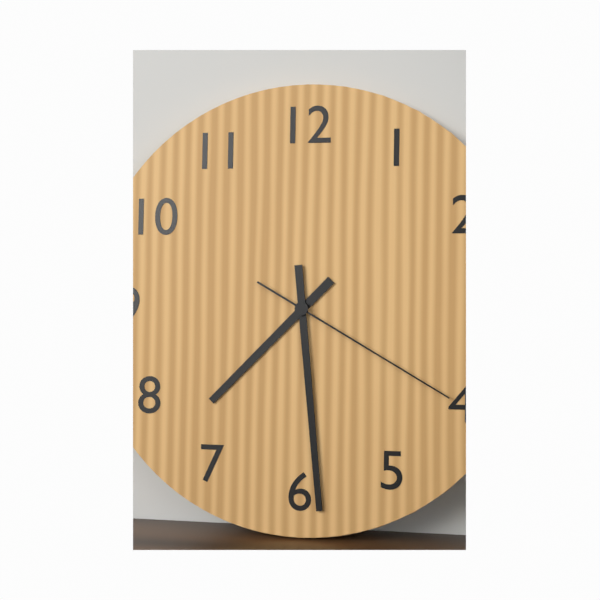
h=7 m=29 s=20
